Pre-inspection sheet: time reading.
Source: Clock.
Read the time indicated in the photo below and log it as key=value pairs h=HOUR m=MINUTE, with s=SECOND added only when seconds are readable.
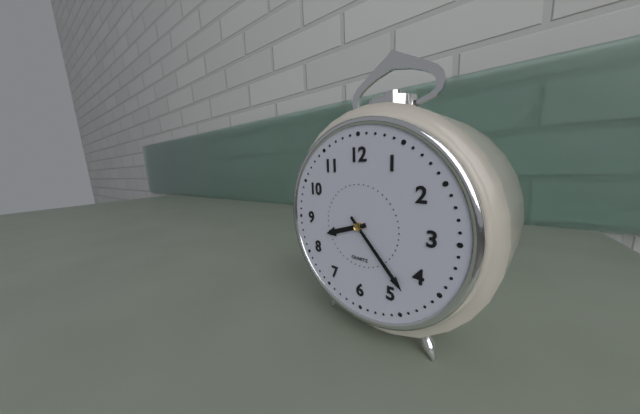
h=8 m=23
